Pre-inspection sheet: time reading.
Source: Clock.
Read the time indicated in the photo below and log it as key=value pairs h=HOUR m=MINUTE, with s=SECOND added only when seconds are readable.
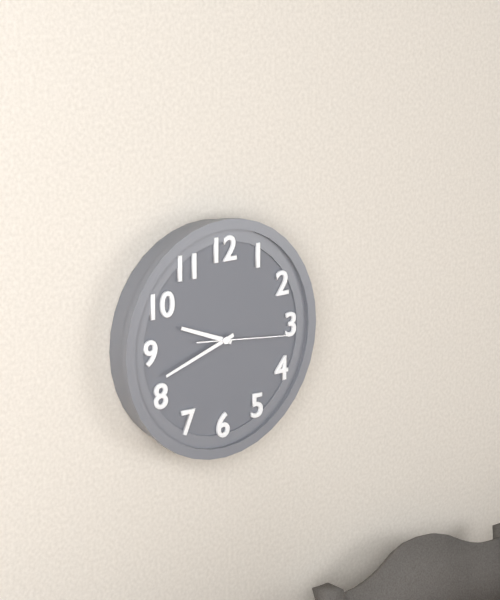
h=9 m=42 s=16
